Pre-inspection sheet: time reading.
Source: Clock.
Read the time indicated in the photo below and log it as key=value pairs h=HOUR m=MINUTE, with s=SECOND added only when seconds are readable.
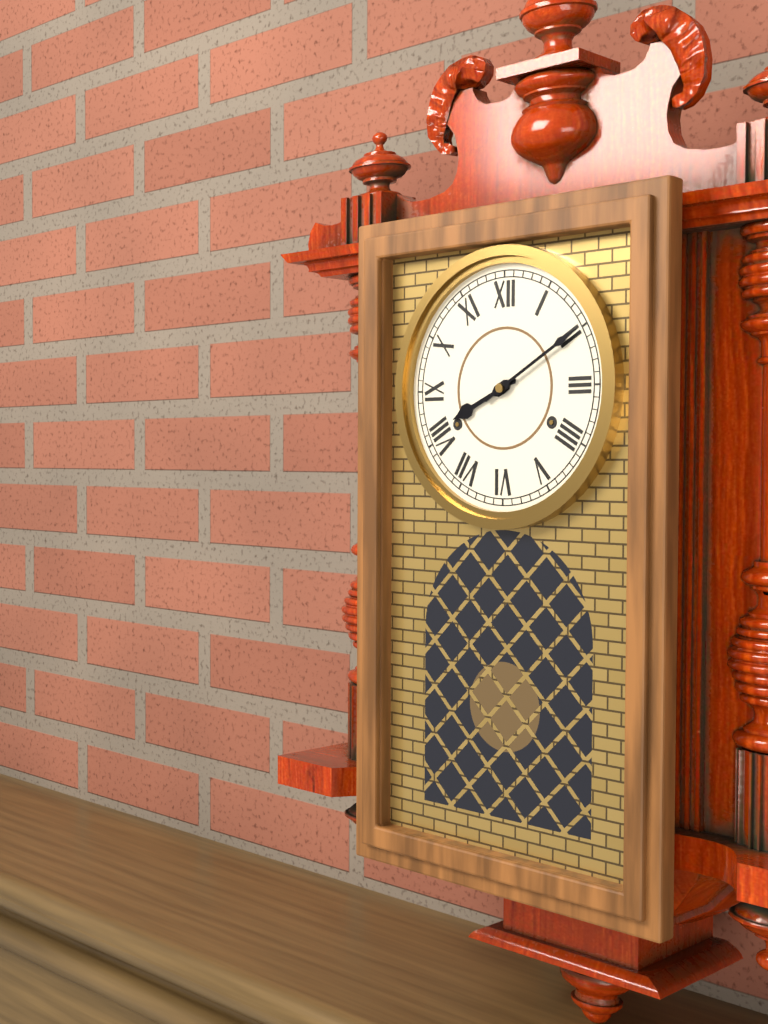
h=8 m=10
